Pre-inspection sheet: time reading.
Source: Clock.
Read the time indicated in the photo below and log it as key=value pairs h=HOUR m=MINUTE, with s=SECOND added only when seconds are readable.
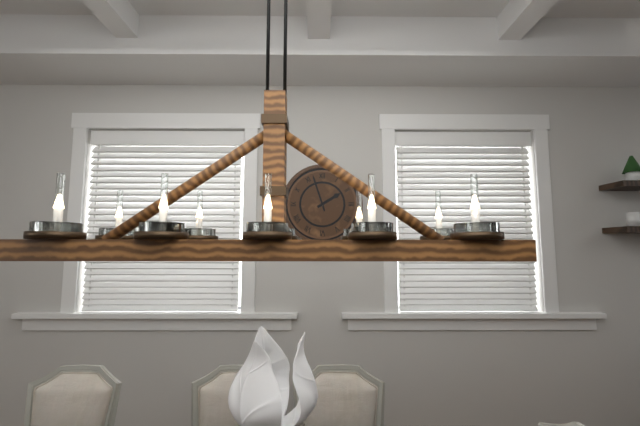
h=1 m=57
